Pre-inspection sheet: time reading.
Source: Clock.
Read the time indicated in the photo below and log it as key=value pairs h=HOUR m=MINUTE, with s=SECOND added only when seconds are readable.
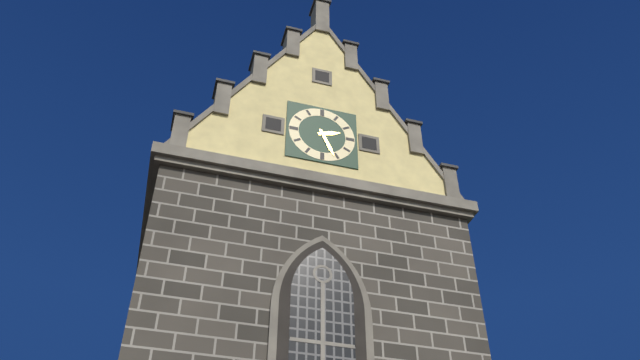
h=2 m=26
